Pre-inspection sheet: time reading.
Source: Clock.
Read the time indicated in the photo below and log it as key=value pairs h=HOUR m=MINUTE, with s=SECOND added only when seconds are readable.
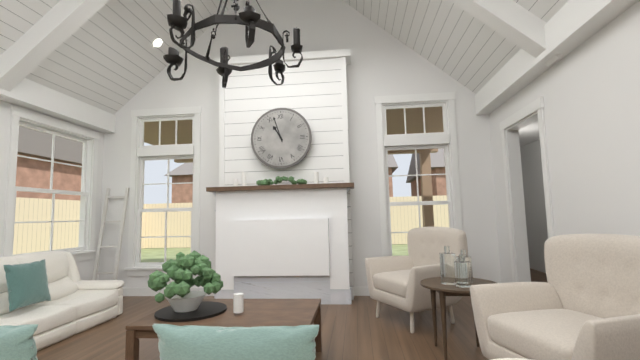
h=10 m=57
